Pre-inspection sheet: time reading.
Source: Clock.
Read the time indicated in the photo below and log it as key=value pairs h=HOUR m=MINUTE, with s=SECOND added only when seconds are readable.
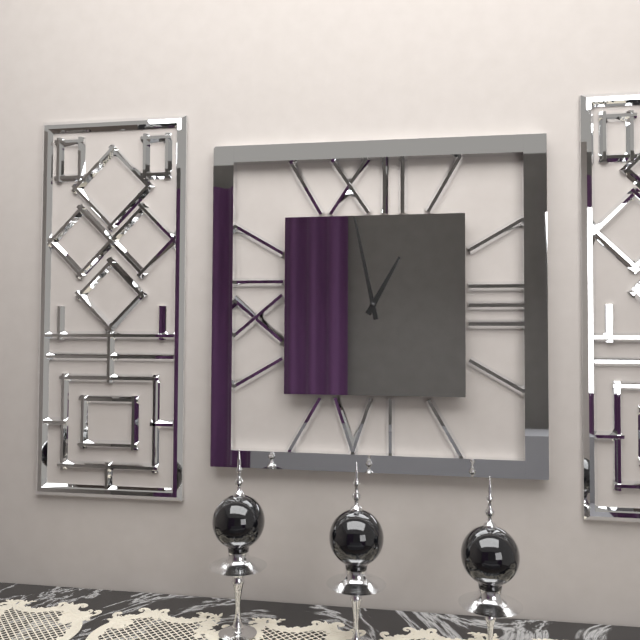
h=12 m=58
